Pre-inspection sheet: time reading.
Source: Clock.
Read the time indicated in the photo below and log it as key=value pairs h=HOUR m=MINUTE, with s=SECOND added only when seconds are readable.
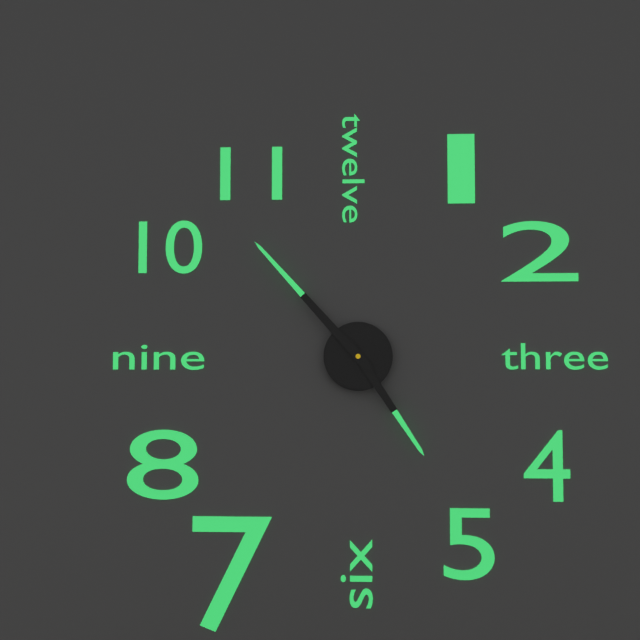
h=4 m=53
